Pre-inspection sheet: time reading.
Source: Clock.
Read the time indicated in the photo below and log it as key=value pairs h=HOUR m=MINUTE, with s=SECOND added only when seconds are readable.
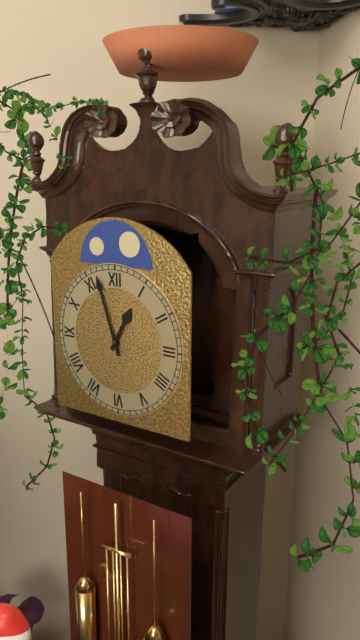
h=12 m=57
